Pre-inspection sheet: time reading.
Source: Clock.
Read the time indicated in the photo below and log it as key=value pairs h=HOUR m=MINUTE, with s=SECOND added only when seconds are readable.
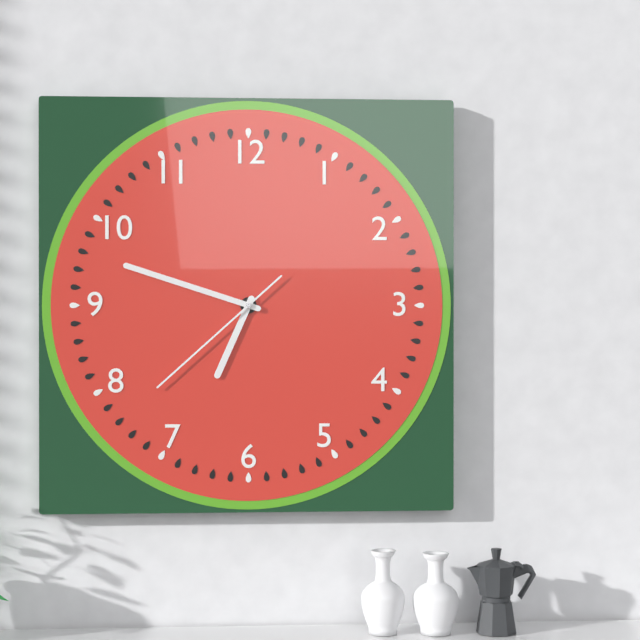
h=6 m=48 s=38
